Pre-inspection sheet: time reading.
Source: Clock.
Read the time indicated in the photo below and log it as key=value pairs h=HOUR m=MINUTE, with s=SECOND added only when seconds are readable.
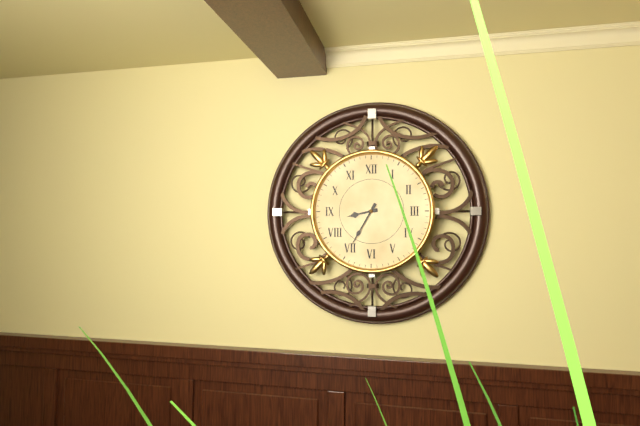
h=8 m=35
